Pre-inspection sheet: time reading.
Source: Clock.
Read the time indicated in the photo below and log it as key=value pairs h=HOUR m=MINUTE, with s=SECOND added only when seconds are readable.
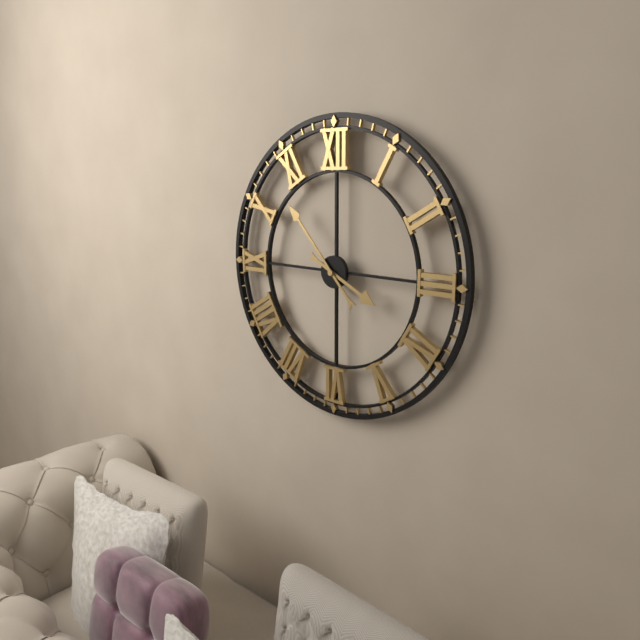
h=3 m=53
